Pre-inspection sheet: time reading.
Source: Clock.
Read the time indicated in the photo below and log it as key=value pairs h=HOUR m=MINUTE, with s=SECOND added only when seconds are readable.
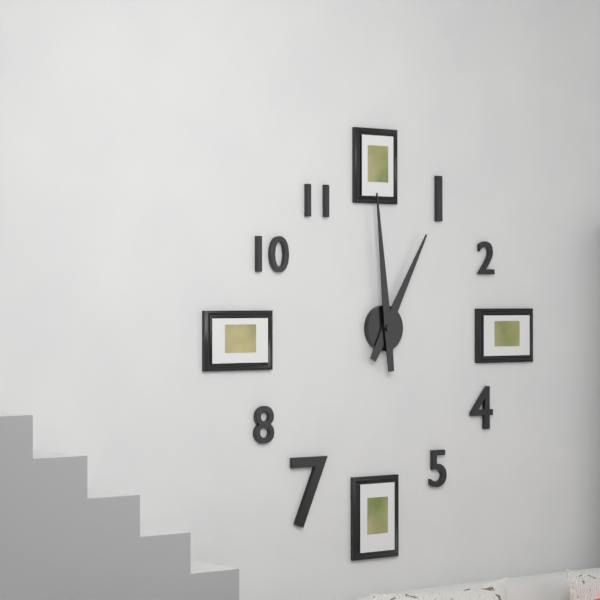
h=12 m=59
